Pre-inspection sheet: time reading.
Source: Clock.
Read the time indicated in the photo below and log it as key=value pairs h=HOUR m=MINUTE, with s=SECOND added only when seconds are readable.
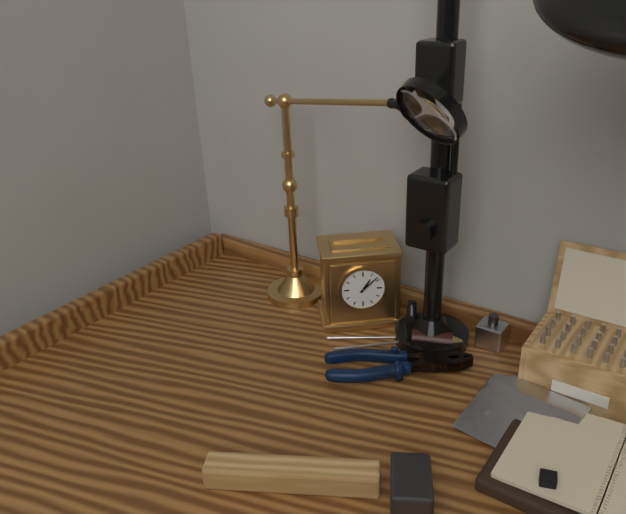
h=1 m=8
